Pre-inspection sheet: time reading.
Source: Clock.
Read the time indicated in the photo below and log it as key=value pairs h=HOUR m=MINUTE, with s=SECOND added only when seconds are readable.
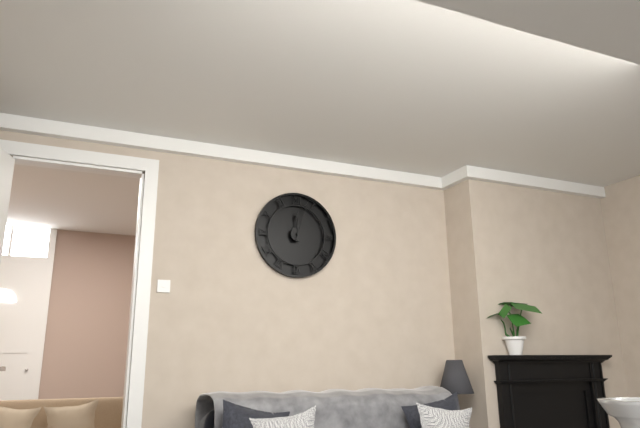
h=12 m=3
